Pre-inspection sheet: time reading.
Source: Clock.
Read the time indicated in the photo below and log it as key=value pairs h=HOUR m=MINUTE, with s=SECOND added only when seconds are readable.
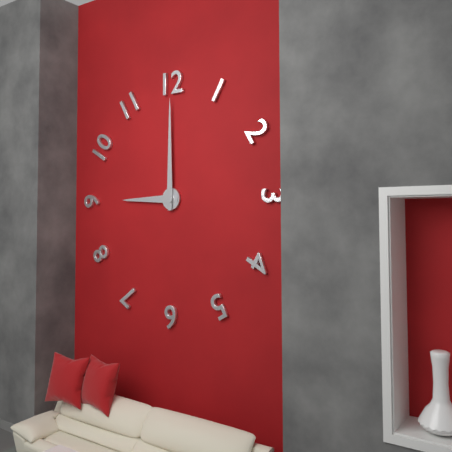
h=9 m=0
